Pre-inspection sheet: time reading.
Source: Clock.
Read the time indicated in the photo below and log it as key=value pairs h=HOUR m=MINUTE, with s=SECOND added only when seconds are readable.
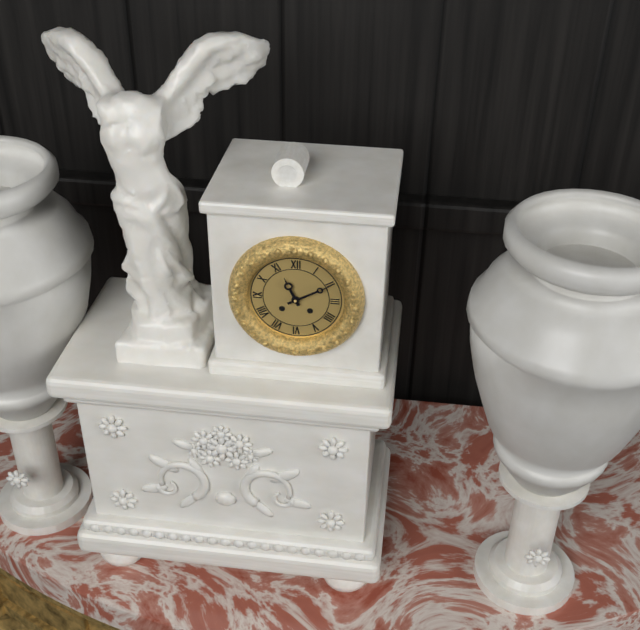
h=11 m=10
